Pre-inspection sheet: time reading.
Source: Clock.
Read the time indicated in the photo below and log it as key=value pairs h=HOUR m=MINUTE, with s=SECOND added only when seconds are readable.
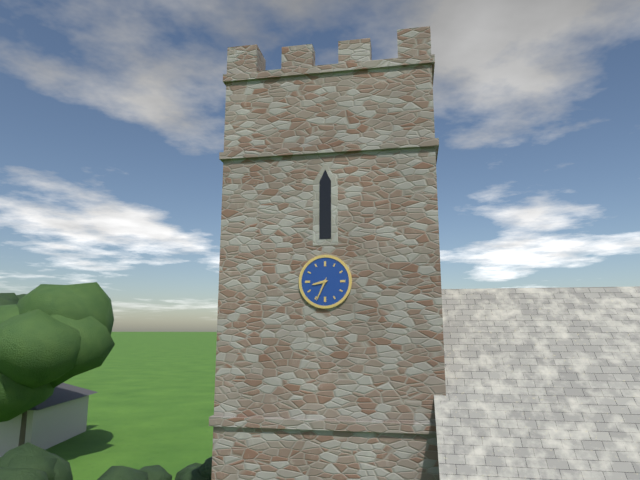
h=8 m=34
